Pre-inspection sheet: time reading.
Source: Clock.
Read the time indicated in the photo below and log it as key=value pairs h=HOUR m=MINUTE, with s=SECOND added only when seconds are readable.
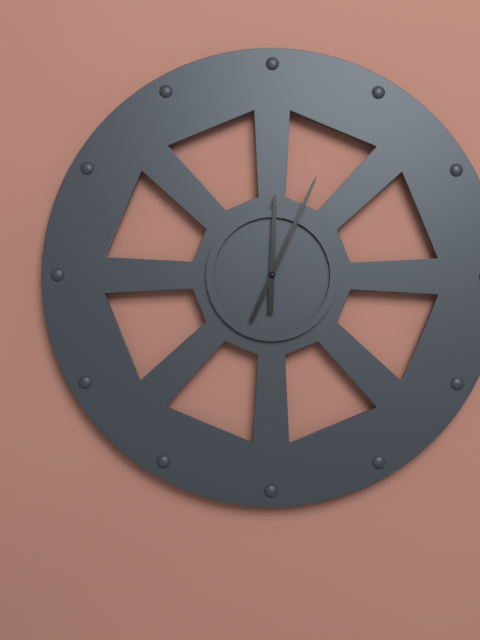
h=12 m=4
